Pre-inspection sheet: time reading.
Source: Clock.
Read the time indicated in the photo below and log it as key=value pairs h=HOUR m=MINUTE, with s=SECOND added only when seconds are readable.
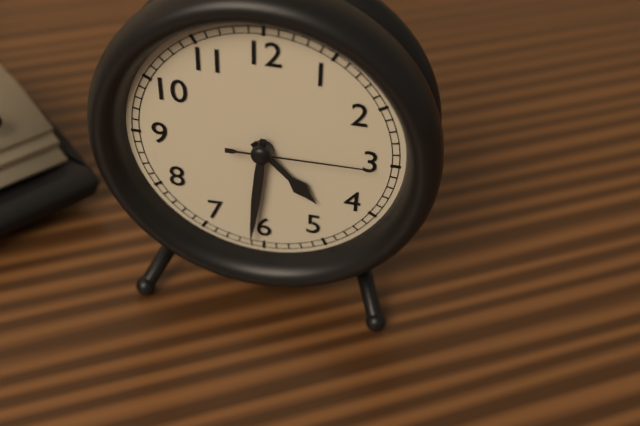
h=4 m=31 s=15
